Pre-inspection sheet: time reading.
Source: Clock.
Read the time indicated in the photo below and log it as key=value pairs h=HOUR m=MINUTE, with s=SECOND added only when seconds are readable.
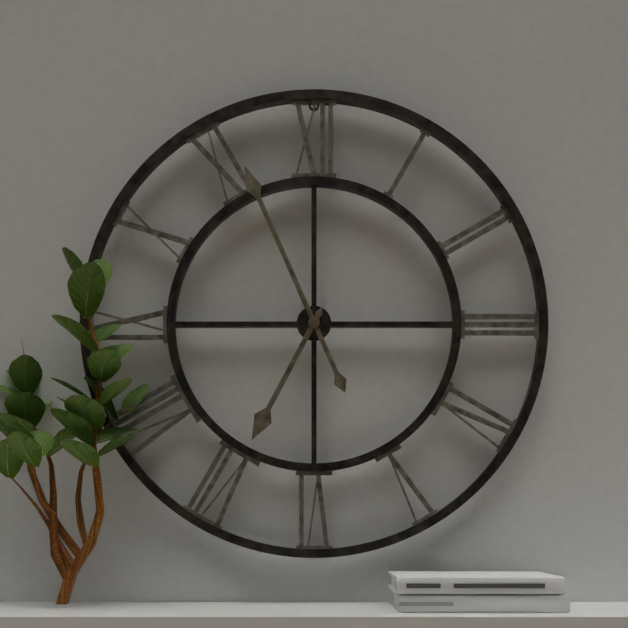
h=6 m=56
